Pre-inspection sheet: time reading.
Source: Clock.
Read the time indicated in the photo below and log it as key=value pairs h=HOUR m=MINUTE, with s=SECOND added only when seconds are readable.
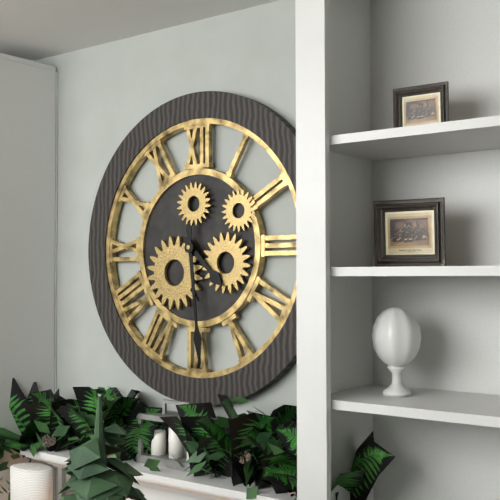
h=4 m=29
